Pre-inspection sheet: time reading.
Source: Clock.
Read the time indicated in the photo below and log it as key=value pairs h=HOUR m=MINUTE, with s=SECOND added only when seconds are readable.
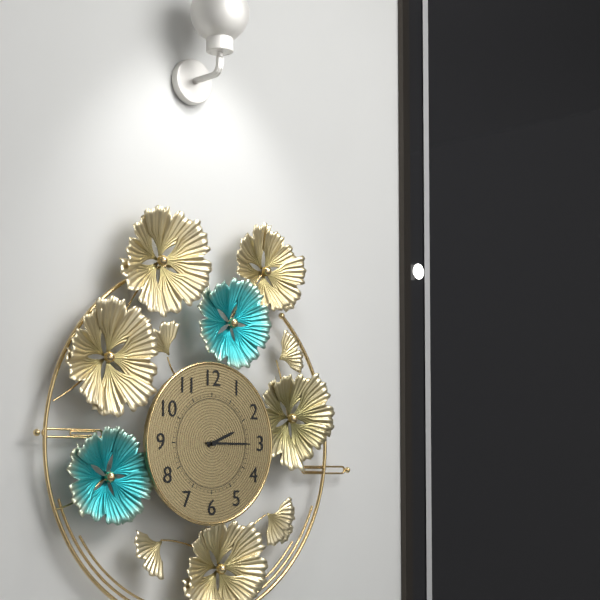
h=2 m=15
